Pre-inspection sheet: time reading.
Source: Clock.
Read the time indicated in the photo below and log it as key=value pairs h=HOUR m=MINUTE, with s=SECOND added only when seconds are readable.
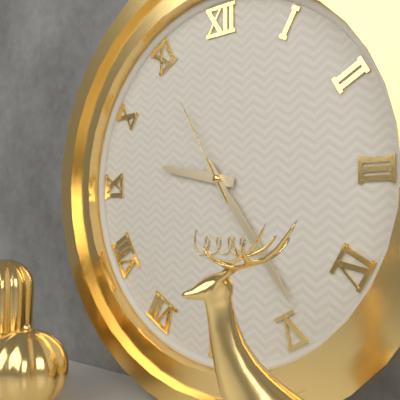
h=9 m=24 s=55
